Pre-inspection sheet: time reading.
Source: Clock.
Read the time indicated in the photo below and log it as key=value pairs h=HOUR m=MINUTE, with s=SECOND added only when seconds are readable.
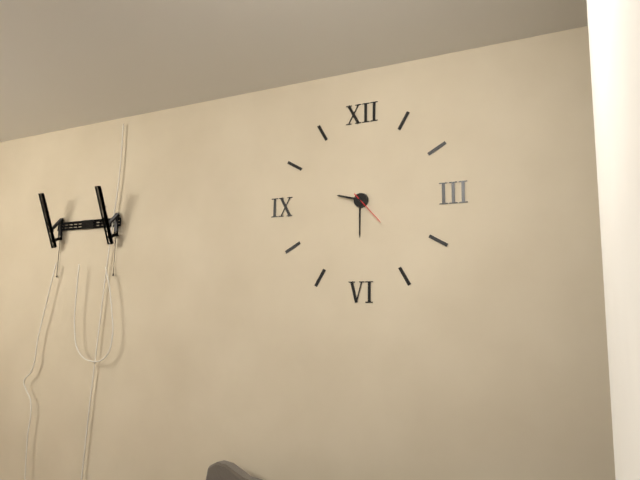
h=9 m=30
